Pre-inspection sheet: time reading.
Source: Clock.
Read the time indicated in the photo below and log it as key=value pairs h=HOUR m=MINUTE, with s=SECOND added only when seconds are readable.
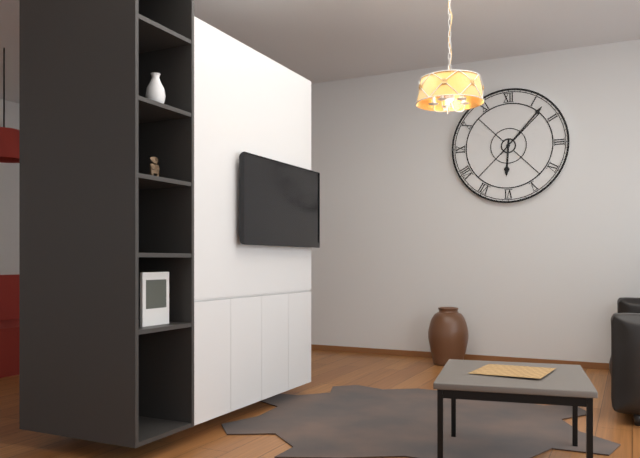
h=6 m=7
